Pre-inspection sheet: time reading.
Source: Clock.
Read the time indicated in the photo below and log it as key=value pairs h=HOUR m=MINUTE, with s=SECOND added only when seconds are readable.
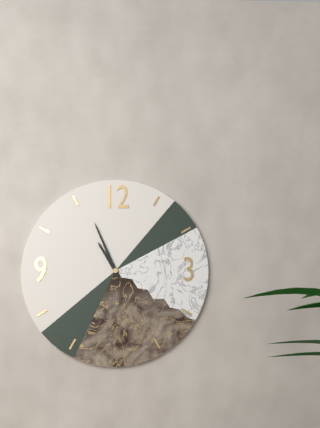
h=10 m=56
